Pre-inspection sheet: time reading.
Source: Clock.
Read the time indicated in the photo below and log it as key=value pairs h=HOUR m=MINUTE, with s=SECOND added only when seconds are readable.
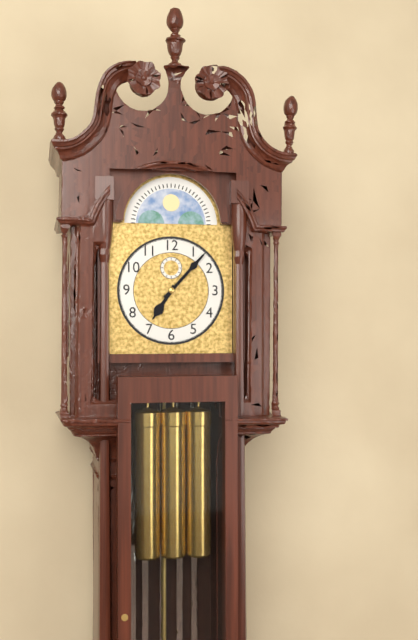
h=7 m=7
